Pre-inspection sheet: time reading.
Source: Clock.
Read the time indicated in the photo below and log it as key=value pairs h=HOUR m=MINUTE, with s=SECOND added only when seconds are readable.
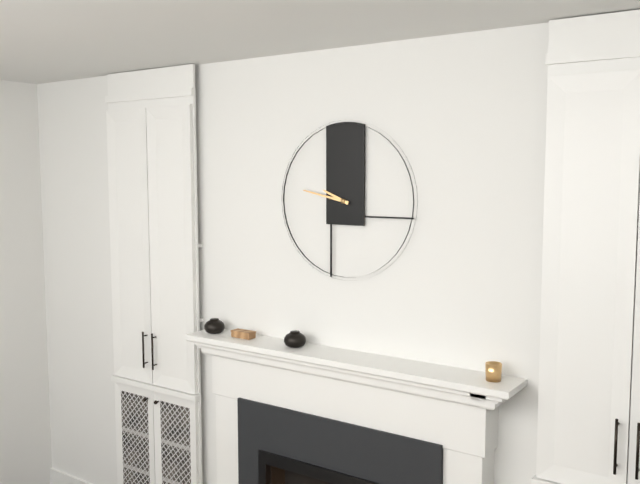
h=9 m=47
